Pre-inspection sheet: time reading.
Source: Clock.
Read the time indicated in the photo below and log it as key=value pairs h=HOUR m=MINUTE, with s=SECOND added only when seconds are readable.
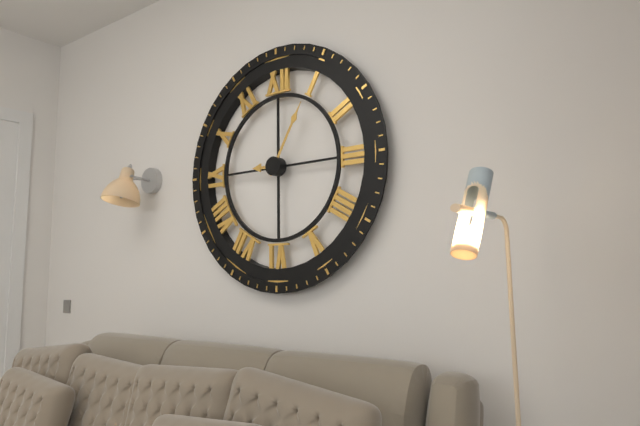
h=9 m=5
